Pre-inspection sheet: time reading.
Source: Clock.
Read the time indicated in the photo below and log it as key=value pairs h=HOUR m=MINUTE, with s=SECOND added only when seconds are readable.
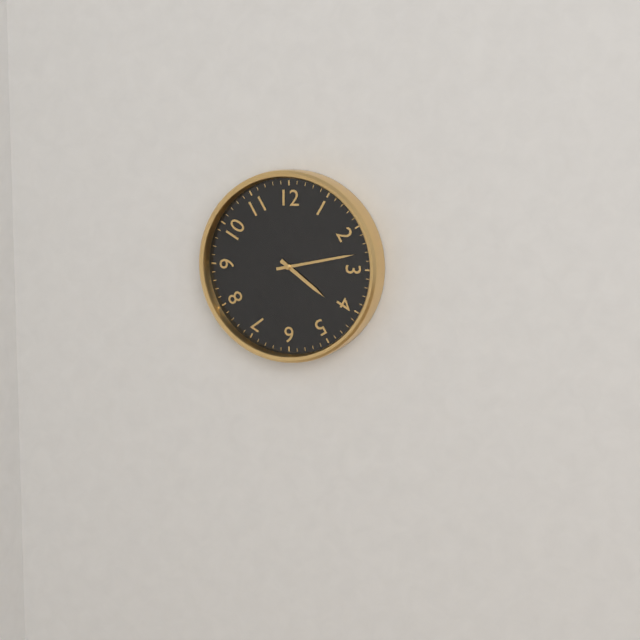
h=4 m=13
